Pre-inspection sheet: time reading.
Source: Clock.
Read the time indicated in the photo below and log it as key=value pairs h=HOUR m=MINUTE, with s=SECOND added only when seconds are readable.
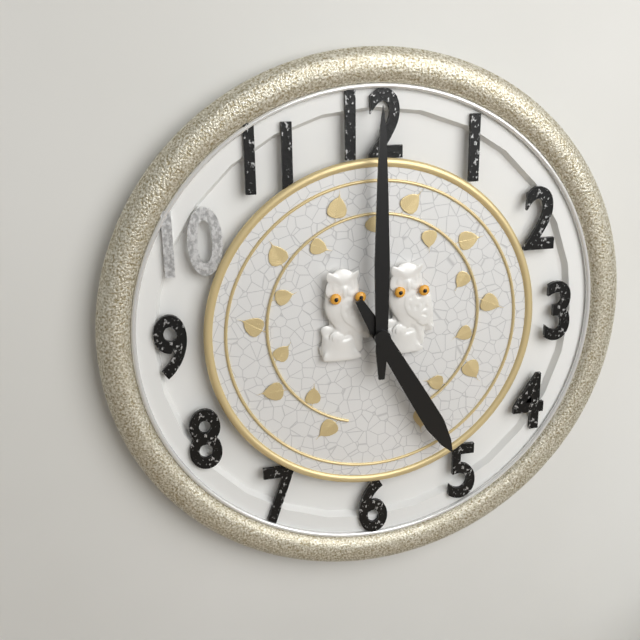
h=5 m=0
